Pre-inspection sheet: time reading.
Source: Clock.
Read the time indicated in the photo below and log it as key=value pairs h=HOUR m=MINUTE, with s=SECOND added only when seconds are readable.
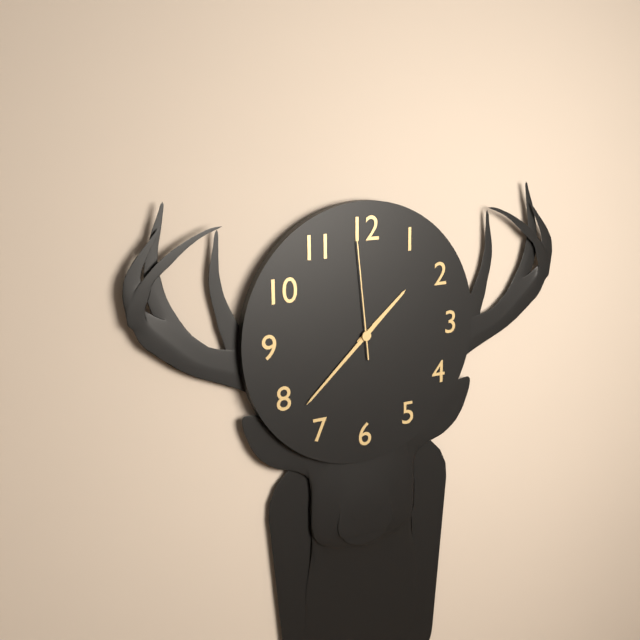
h=1 m=38 s=59
